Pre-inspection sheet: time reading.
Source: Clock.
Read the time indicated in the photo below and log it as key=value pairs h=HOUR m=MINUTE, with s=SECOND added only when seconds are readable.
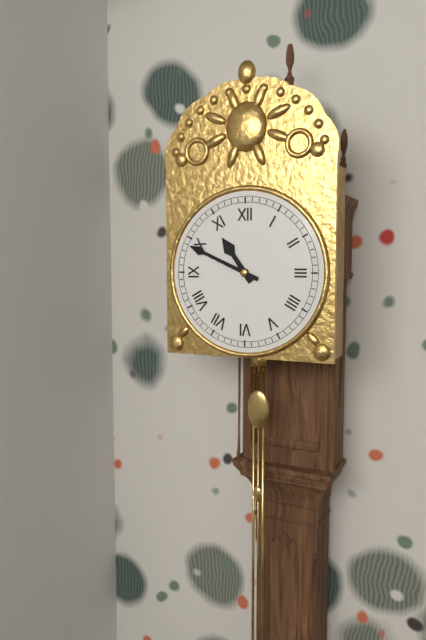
h=10 m=49
